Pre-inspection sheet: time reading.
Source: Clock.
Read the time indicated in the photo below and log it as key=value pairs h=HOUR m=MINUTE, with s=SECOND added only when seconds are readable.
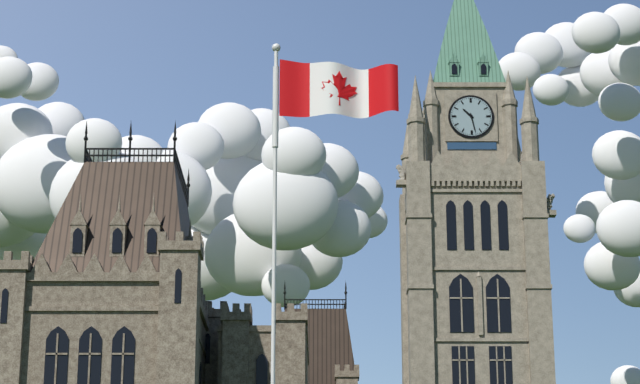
h=10 m=28
